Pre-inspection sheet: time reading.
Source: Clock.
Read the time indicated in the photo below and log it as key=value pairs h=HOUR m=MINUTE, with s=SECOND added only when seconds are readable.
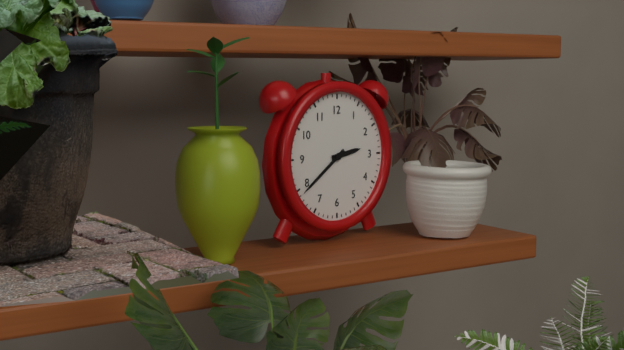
h=2 m=39
